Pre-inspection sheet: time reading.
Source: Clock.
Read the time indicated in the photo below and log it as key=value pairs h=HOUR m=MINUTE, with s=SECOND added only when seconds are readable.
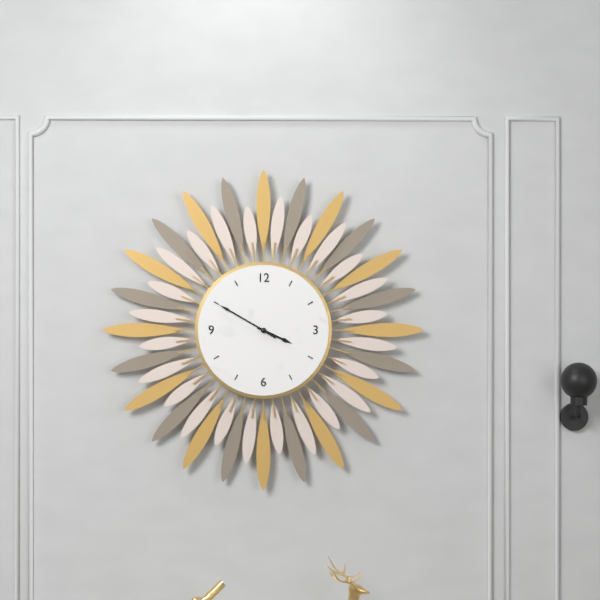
h=3 m=50
